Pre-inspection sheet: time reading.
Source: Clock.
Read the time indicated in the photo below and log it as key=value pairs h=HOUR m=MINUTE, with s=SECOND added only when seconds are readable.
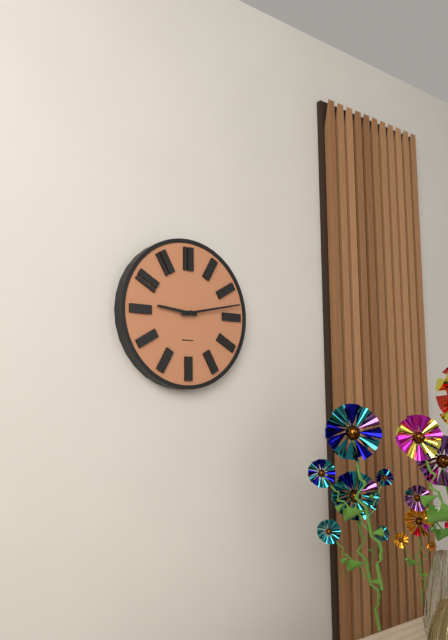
h=9 m=13
